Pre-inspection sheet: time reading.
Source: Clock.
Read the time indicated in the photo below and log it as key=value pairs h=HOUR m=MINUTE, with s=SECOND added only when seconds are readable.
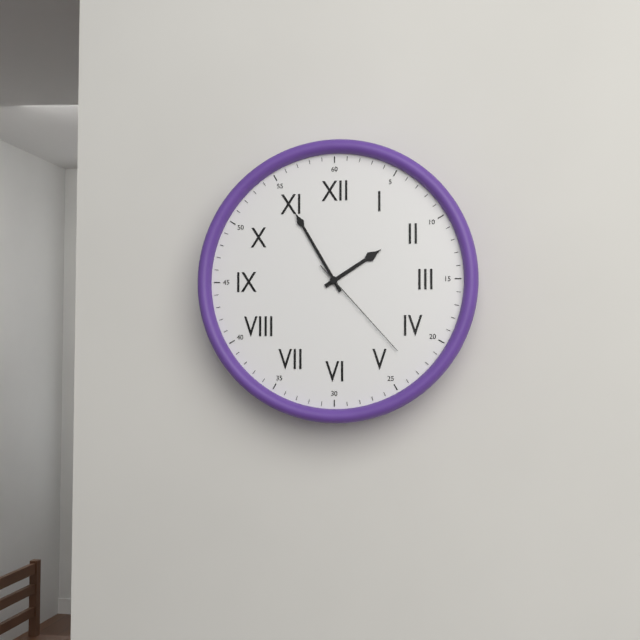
h=1 m=55 s=23
